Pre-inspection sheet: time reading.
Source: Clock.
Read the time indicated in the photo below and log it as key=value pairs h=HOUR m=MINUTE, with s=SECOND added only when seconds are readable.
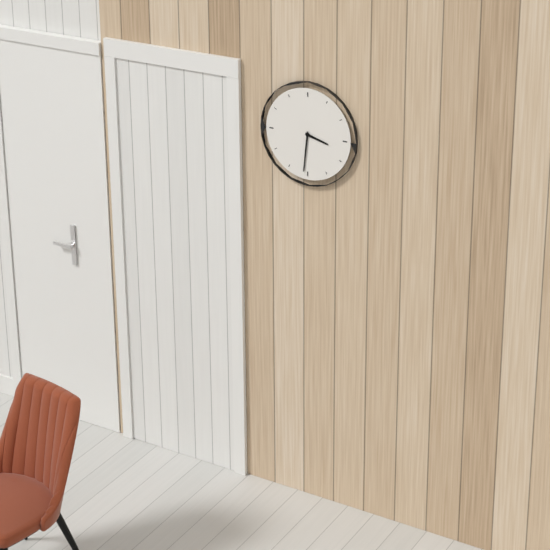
h=3 m=31
